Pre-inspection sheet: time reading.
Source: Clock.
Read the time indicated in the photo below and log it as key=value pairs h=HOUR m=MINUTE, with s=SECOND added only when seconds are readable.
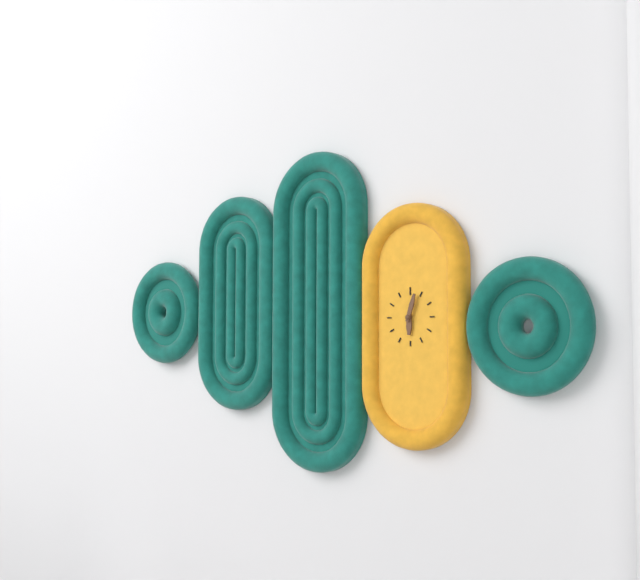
h=6 m=3
